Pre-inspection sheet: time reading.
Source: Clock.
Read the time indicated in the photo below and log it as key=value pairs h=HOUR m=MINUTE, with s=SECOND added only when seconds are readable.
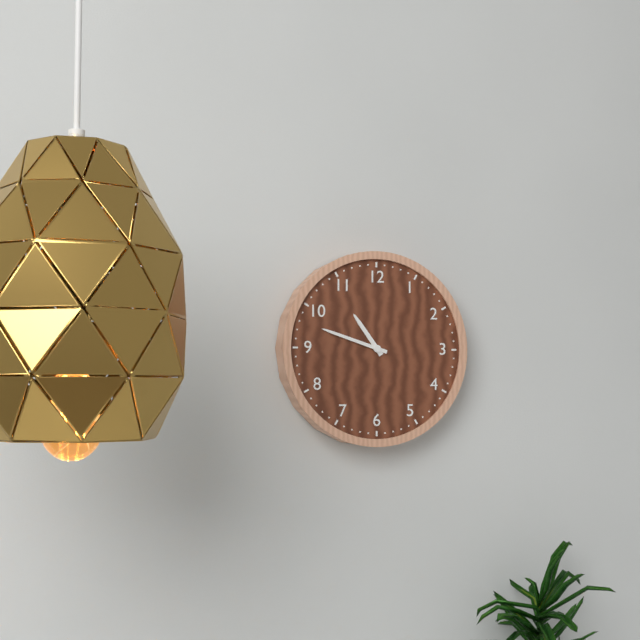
h=10 m=48
